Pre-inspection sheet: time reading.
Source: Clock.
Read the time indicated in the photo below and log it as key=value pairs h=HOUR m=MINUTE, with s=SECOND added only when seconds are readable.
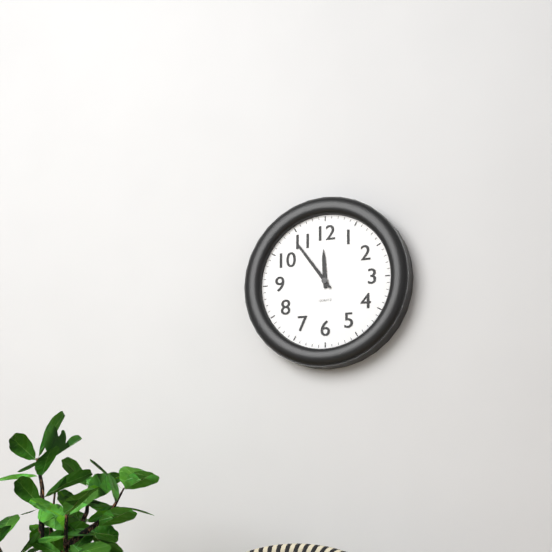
h=11 m=54
